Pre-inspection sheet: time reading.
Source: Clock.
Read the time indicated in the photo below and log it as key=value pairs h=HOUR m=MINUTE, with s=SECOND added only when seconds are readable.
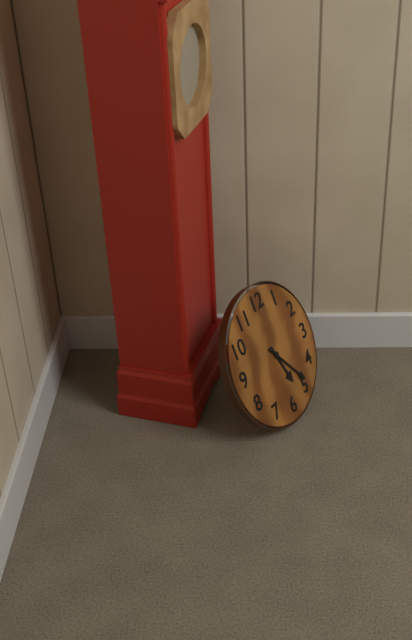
h=5 m=24
